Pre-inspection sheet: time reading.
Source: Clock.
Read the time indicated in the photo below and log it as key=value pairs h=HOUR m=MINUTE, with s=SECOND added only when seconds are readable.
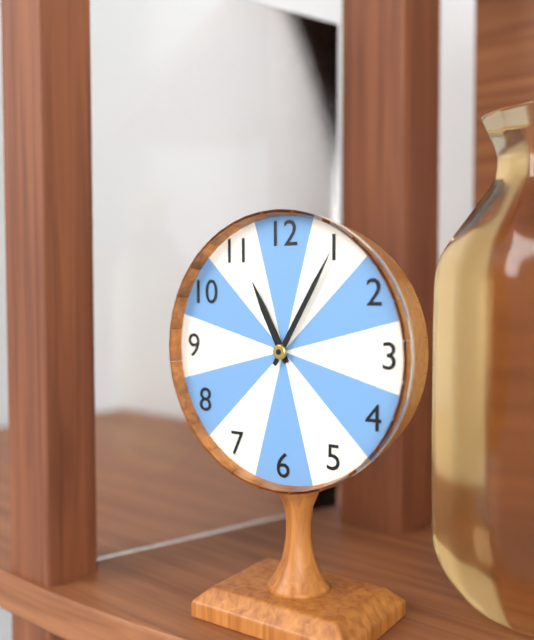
h=11 m=5
